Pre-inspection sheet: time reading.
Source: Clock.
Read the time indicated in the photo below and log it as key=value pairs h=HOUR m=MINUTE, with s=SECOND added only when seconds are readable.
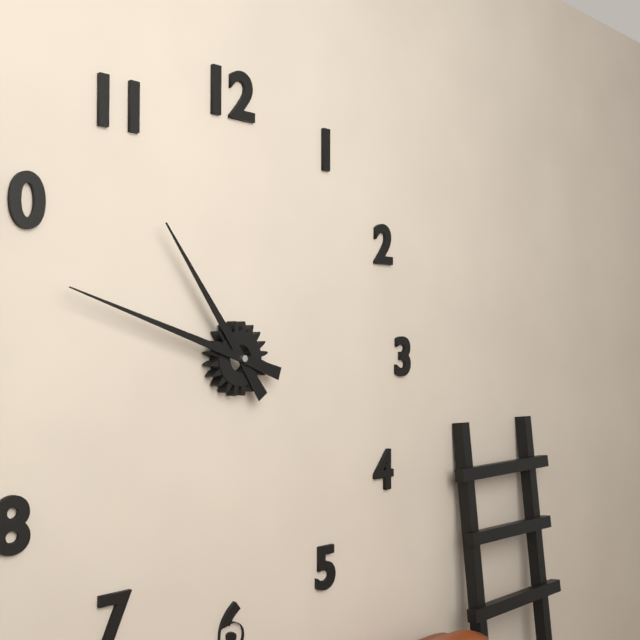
h=10 m=48
